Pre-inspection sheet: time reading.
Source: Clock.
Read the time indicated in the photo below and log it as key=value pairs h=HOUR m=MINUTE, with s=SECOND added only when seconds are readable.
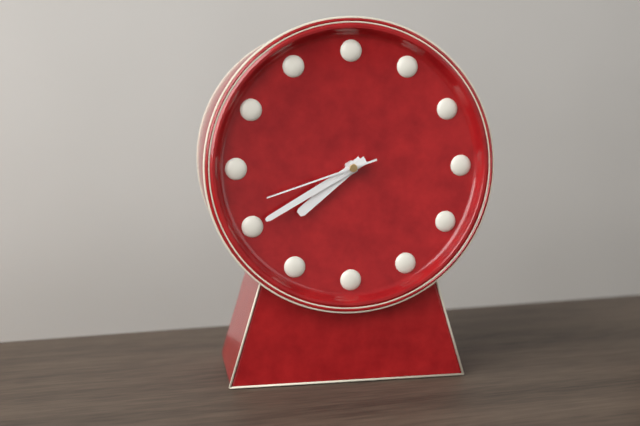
h=7 m=40 s=42
